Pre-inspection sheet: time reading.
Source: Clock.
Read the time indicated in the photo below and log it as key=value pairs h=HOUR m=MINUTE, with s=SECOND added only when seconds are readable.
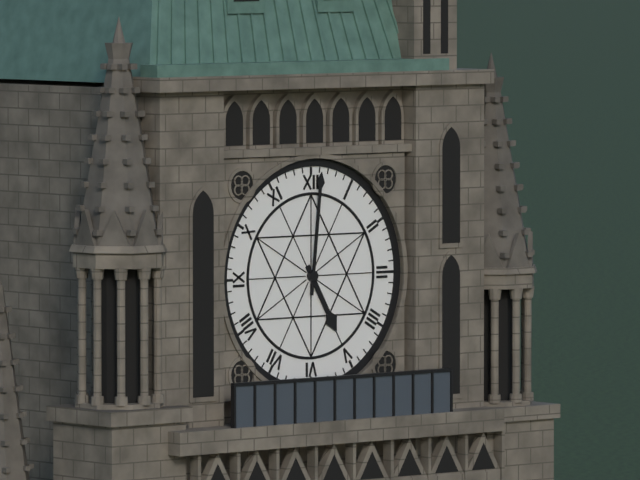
h=5 m=1
